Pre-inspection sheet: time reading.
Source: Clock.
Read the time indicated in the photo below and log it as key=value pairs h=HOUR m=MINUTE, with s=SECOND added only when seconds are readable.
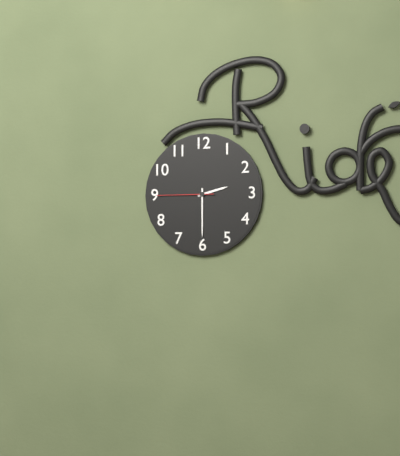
h=2 m=30 s=45
